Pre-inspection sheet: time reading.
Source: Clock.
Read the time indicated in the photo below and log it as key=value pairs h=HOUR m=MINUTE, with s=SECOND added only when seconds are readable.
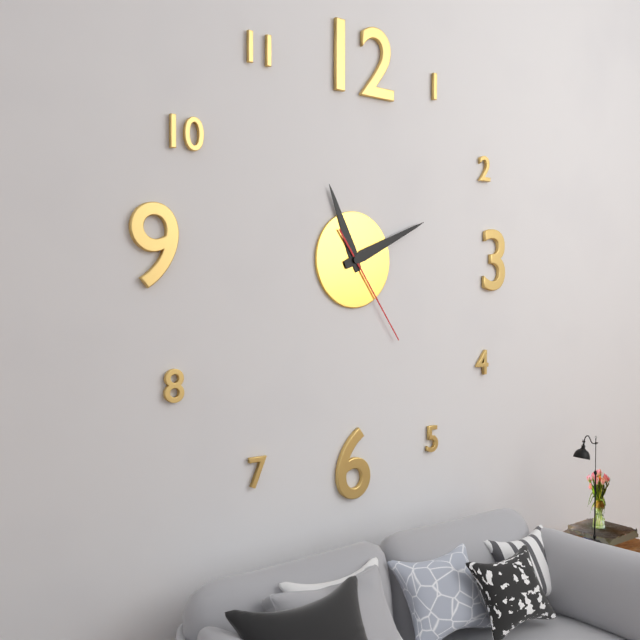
h=11 m=11 s=24
